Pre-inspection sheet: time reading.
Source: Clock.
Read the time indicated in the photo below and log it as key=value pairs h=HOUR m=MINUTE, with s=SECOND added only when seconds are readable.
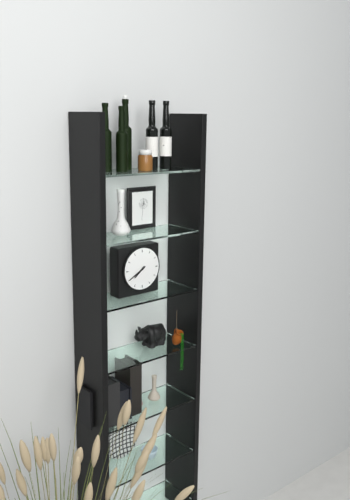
h=7 m=40
